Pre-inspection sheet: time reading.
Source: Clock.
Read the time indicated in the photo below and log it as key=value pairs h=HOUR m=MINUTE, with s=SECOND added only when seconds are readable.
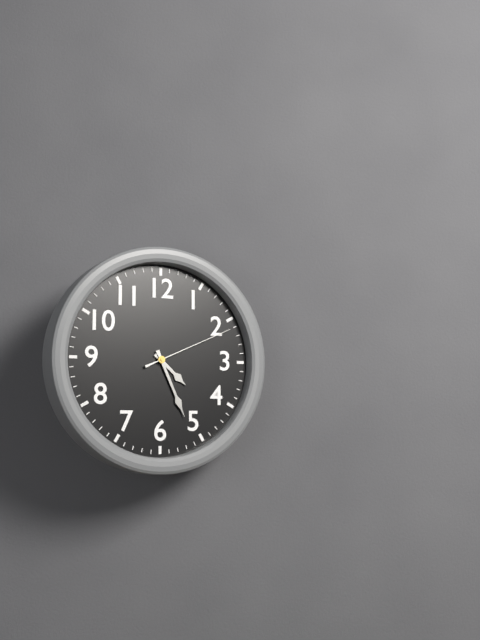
h=4 m=26 s=11
